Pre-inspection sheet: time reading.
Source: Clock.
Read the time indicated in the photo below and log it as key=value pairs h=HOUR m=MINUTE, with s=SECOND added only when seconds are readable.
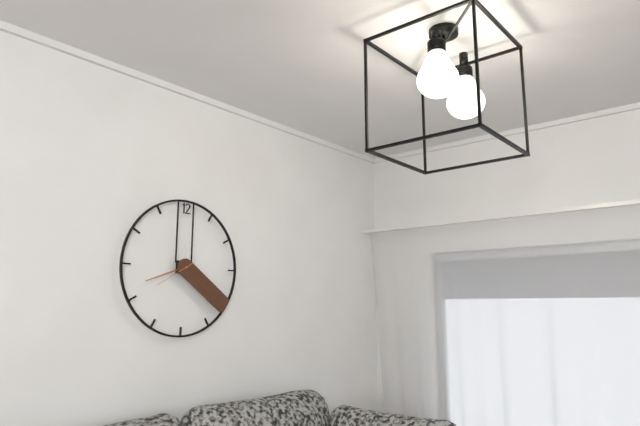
h=8 m=21
